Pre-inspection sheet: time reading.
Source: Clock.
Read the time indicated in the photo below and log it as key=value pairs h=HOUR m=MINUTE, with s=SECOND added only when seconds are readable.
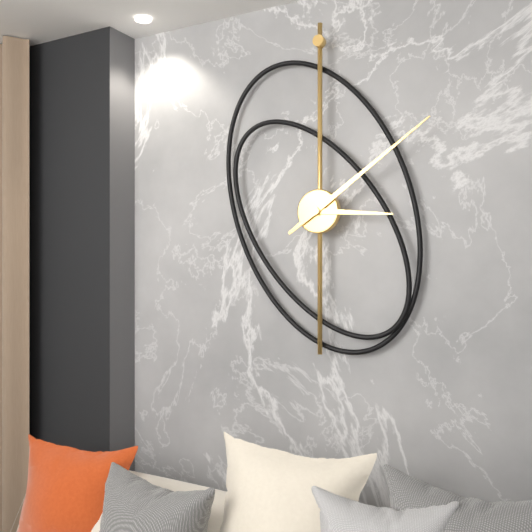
h=3 m=9
